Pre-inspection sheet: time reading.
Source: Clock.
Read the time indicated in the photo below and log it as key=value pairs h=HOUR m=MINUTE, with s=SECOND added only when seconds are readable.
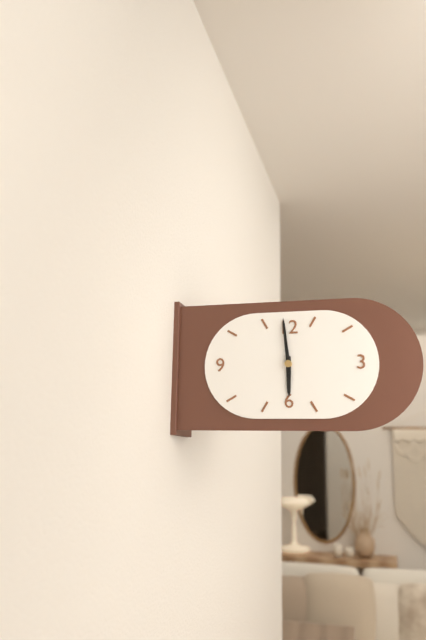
h=5 m=59
